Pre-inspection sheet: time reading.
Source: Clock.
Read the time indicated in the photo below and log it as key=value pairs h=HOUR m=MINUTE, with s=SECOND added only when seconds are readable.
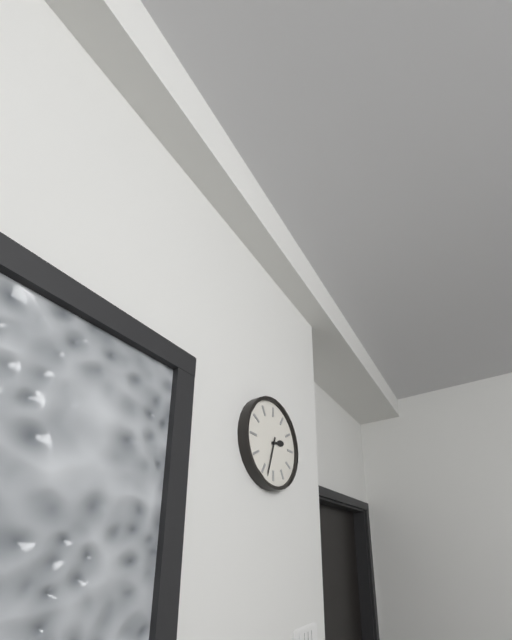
h=2 m=33
